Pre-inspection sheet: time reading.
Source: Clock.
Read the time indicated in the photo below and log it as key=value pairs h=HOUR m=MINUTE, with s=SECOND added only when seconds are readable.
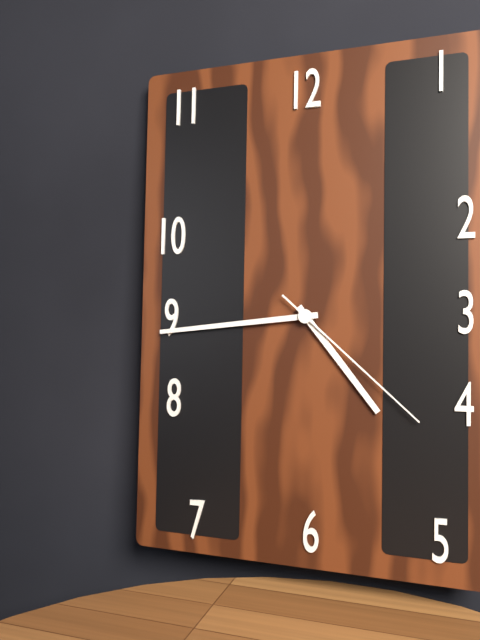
h=4 m=44 s=22
